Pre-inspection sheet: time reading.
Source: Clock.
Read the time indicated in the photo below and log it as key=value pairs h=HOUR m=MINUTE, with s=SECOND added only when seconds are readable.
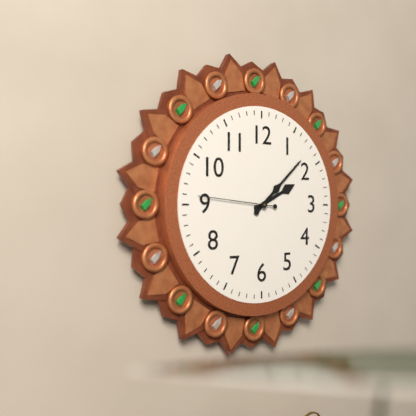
h=2 m=8 s=46
